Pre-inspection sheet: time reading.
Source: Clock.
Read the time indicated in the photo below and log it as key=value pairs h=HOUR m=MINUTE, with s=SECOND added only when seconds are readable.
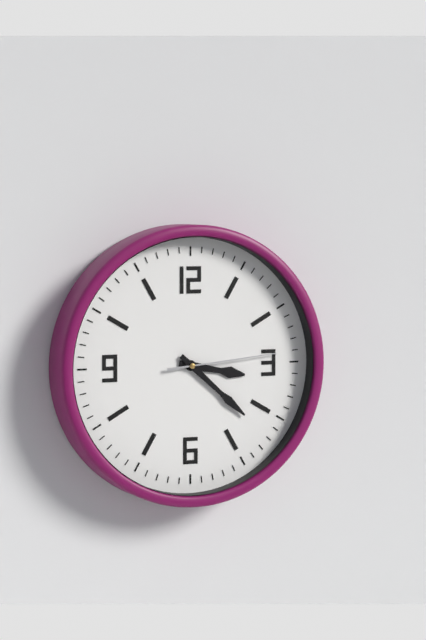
h=3 m=22 s=14
